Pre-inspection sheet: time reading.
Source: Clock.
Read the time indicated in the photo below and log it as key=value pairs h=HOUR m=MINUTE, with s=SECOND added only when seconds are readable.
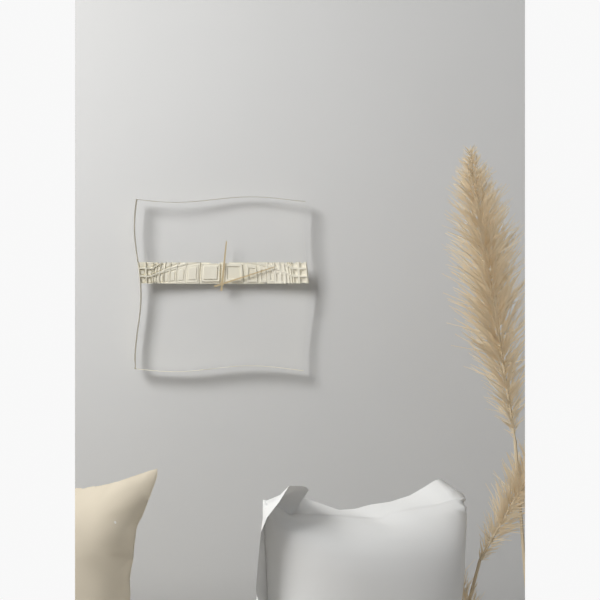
h=12 m=12
